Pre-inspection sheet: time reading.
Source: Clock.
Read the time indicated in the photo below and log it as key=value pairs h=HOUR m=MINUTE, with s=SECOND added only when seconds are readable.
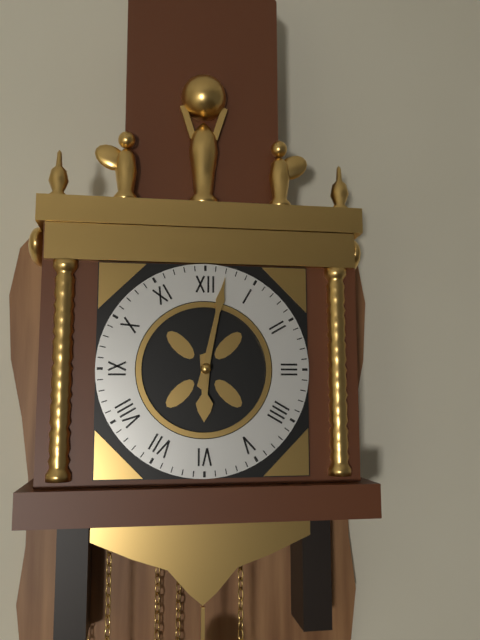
h=6 m=2
